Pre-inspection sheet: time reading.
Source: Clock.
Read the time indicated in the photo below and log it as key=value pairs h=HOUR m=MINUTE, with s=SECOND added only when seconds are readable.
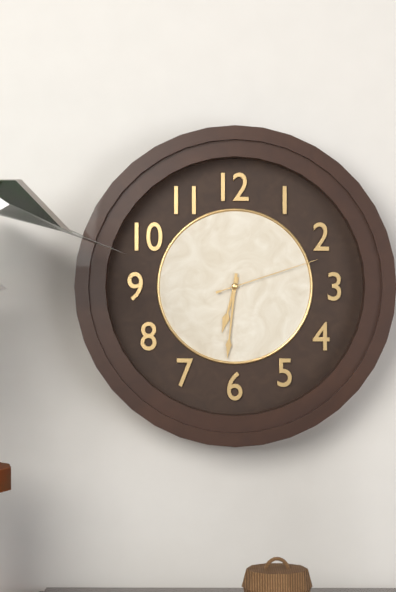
h=6 m=31 s=12
